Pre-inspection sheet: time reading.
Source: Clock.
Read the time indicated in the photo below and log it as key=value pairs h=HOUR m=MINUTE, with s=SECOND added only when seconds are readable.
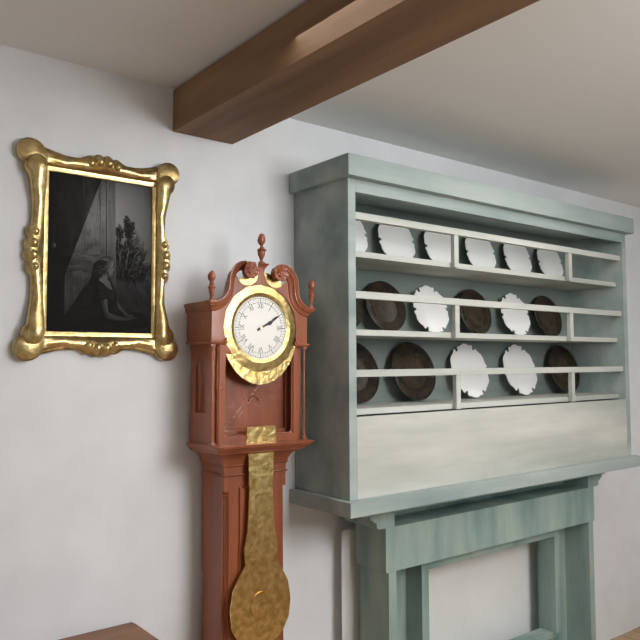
h=2 m=10
